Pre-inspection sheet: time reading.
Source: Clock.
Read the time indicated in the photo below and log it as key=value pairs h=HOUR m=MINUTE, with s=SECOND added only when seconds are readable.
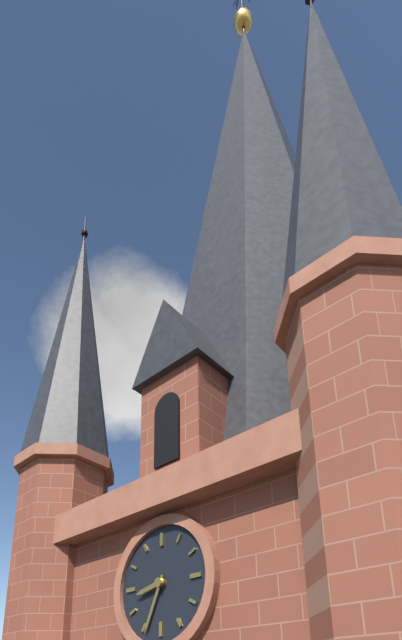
h=8 m=34
